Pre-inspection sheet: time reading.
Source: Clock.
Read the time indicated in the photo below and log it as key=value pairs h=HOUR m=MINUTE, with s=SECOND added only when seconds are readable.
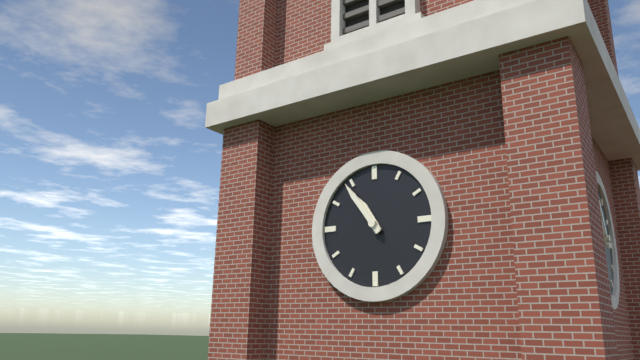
h=10 m=54
